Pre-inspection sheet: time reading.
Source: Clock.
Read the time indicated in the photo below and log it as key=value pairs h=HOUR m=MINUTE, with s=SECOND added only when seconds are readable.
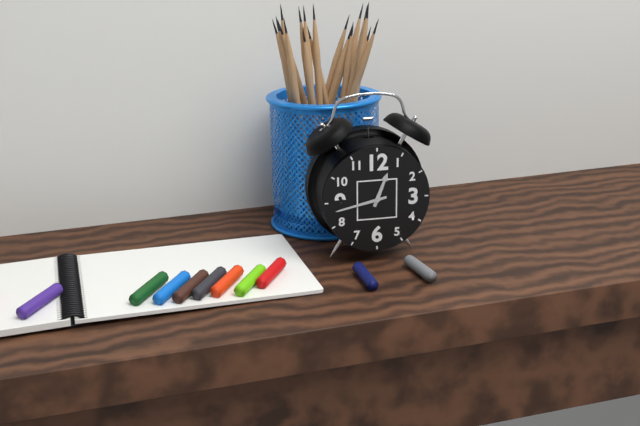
h=12 m=43
